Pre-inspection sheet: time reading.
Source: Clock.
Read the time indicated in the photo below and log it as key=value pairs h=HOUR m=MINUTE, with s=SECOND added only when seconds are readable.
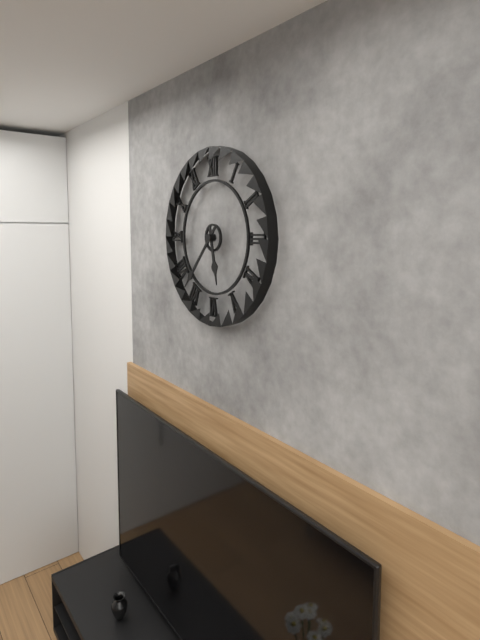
h=5 m=37
